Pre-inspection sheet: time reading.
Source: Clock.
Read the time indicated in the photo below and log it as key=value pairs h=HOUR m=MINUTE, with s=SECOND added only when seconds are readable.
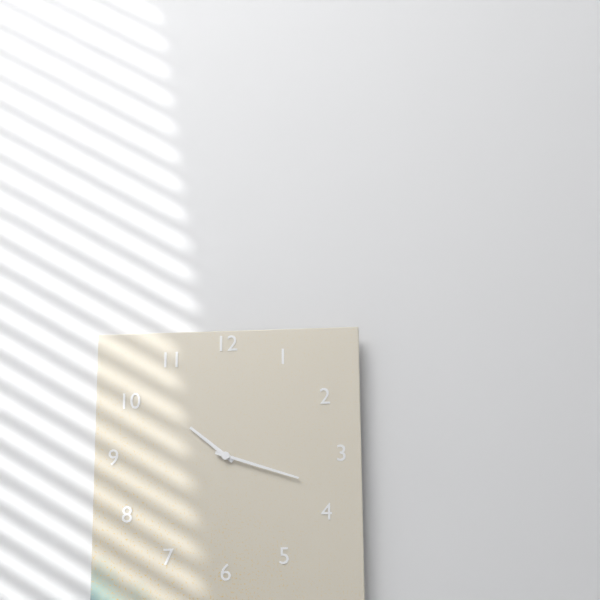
h=10 m=18
